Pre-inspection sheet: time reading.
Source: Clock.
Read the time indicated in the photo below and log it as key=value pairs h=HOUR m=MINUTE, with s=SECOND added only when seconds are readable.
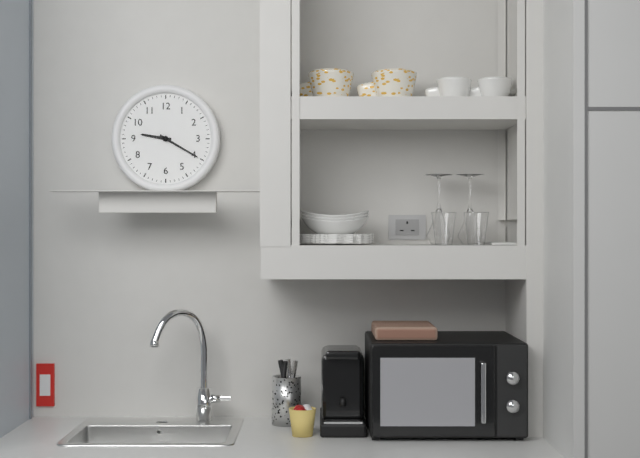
h=9 m=20
